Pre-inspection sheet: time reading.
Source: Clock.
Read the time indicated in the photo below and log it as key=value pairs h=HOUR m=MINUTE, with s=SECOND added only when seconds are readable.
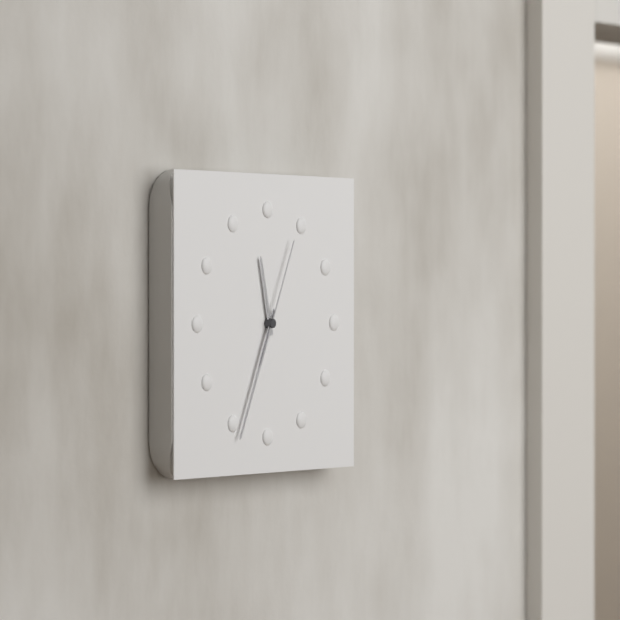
h=11 m=34 s=4
